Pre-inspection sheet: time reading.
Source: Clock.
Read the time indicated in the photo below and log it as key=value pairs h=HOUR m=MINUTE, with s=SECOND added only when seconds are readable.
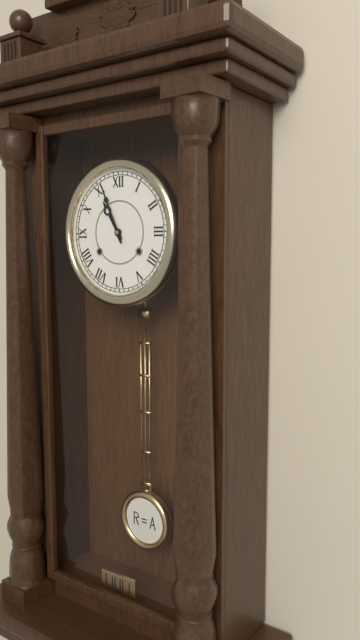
h=10 m=56
